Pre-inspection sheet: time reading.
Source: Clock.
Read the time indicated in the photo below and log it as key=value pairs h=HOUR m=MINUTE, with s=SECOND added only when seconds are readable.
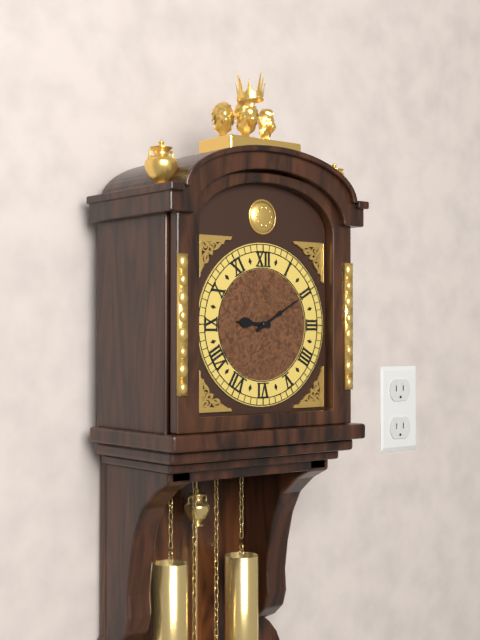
h=9 m=10
